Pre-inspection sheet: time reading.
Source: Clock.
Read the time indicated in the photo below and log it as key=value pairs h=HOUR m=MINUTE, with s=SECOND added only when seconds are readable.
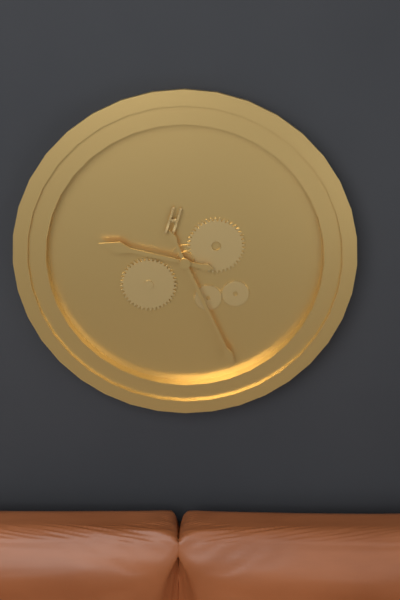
h=9 m=26
